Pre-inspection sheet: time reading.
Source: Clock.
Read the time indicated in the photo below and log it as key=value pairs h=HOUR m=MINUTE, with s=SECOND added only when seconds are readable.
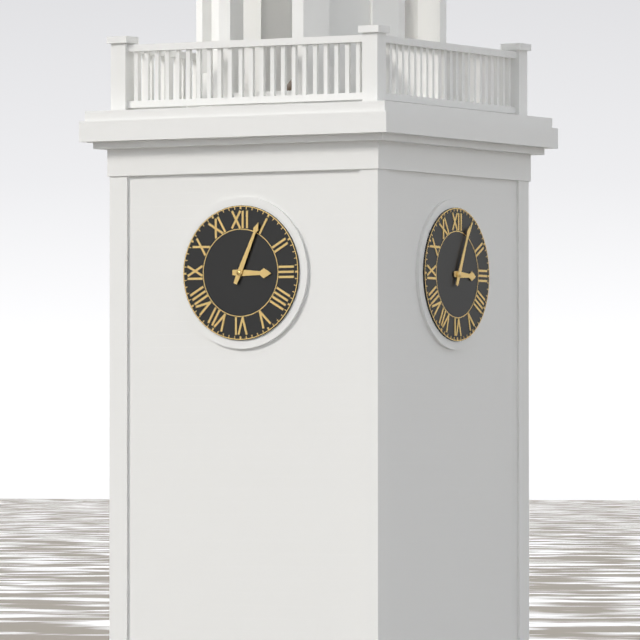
h=3 m=4
